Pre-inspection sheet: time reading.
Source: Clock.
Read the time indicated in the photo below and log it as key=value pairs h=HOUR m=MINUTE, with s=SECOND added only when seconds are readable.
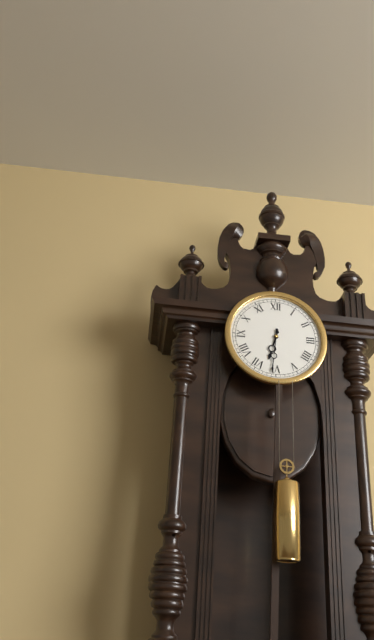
h=6 m=31
